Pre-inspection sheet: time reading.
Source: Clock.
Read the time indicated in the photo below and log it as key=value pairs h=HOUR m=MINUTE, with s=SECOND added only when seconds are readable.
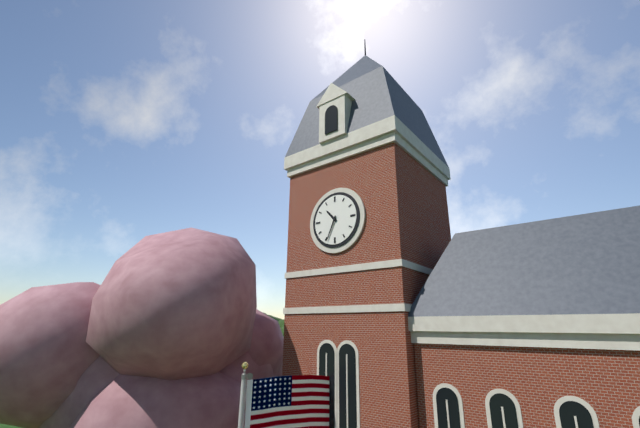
h=10 m=34
